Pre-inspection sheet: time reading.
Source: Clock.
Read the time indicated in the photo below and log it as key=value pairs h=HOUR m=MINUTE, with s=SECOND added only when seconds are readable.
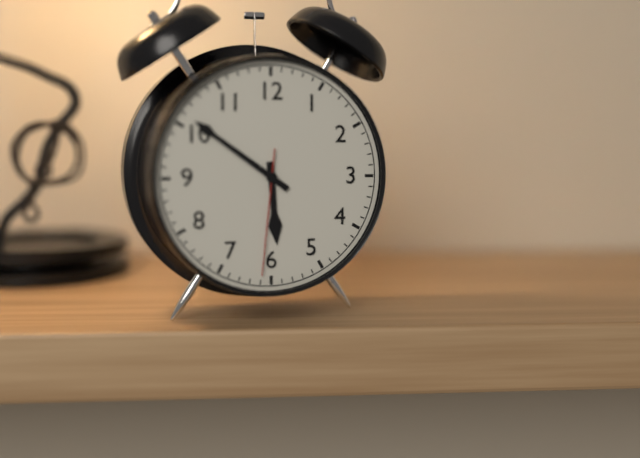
h=5 m=51 s=31
